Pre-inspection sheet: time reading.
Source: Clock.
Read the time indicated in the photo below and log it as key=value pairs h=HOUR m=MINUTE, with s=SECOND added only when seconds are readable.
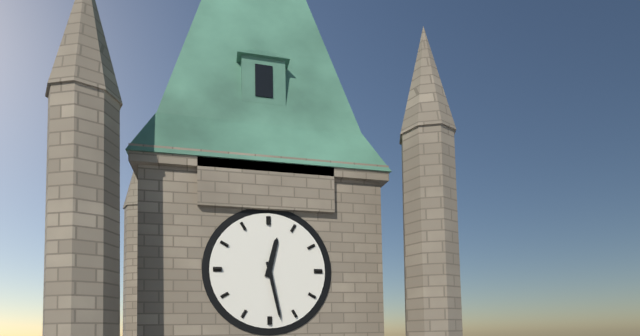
h=12 m=28
